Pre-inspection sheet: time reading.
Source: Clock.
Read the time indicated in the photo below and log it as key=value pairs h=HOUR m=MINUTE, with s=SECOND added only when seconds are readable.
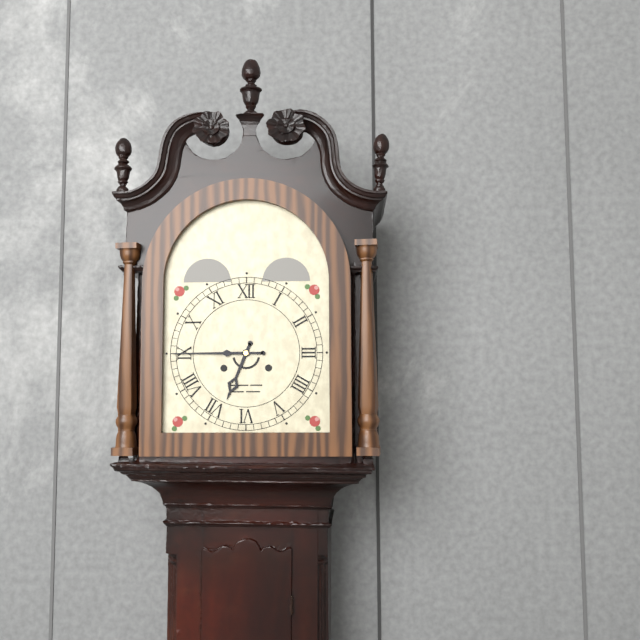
h=6 m=45
